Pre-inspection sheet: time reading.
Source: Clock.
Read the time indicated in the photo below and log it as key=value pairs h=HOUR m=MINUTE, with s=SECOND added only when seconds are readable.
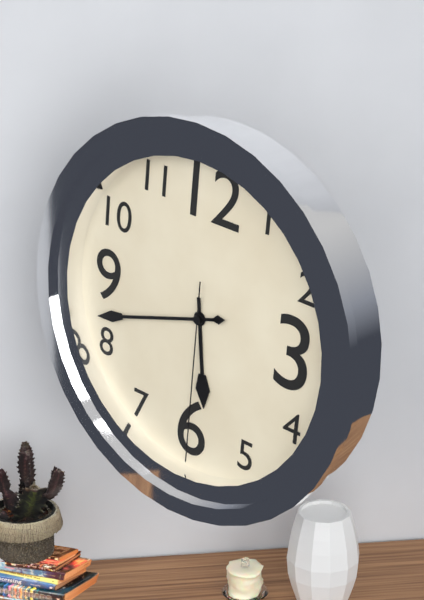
h=5 m=42 s=30
